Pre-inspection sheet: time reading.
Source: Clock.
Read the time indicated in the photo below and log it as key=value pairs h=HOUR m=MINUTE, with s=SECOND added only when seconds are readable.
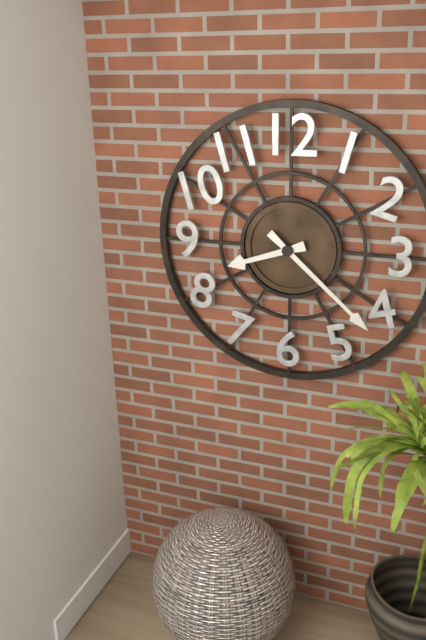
h=8 m=22
